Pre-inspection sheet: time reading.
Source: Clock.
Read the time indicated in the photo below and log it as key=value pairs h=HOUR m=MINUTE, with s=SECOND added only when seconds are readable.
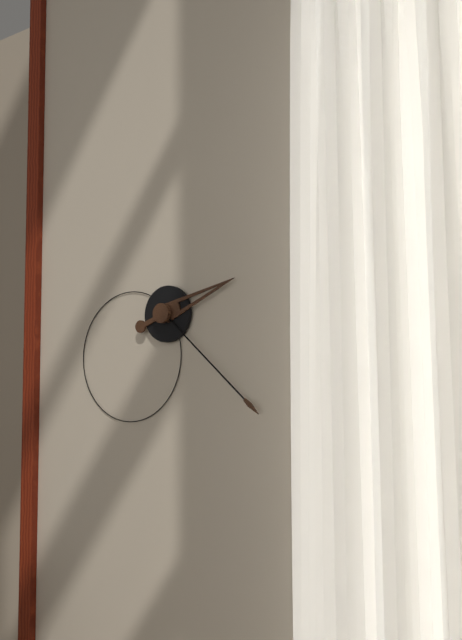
h=2 m=22
